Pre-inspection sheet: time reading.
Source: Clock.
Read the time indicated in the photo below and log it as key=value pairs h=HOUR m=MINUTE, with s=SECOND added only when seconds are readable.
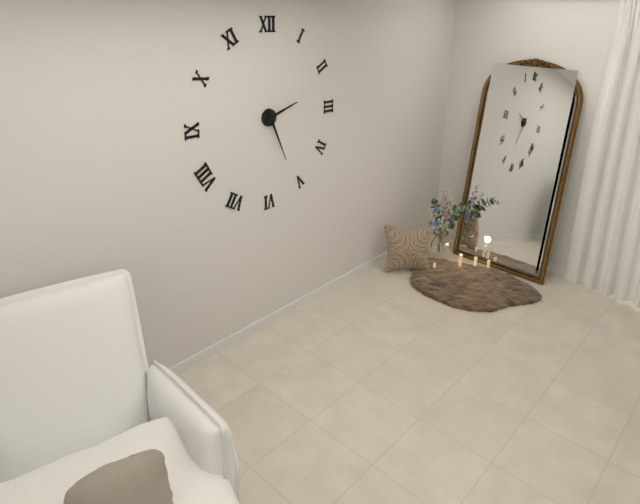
h=2 m=26
